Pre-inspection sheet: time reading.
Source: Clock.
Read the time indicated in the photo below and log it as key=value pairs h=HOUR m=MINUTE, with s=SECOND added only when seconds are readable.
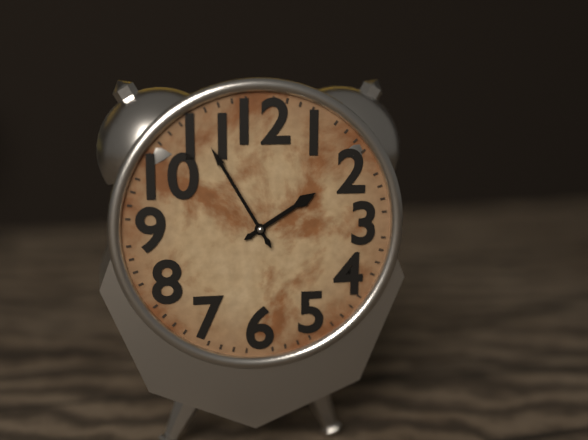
h=1 m=55
